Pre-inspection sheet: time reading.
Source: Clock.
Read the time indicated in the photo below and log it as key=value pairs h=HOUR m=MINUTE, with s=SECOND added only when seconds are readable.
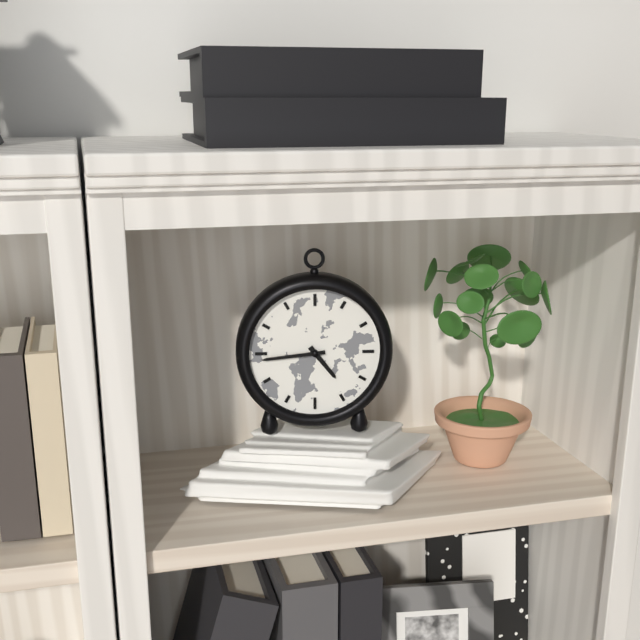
h=4 m=44
